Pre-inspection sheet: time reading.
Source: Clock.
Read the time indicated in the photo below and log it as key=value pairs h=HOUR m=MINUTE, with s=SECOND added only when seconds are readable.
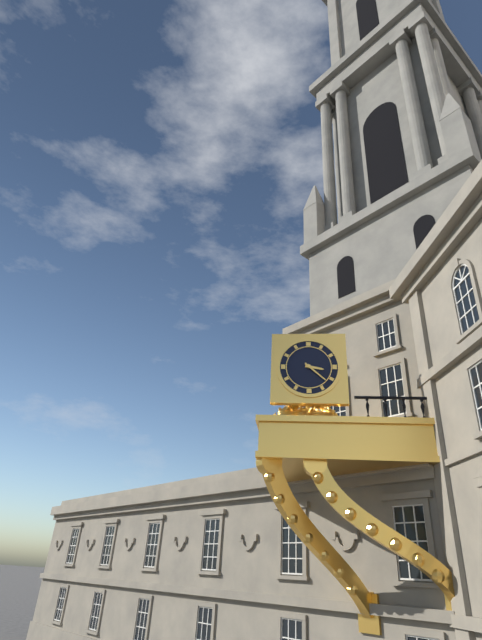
h=3 m=22
